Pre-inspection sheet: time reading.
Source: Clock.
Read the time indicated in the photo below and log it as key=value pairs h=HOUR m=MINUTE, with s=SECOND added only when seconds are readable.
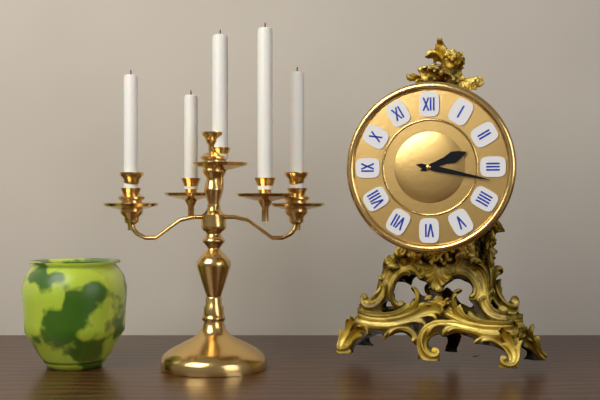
h=2 m=17
